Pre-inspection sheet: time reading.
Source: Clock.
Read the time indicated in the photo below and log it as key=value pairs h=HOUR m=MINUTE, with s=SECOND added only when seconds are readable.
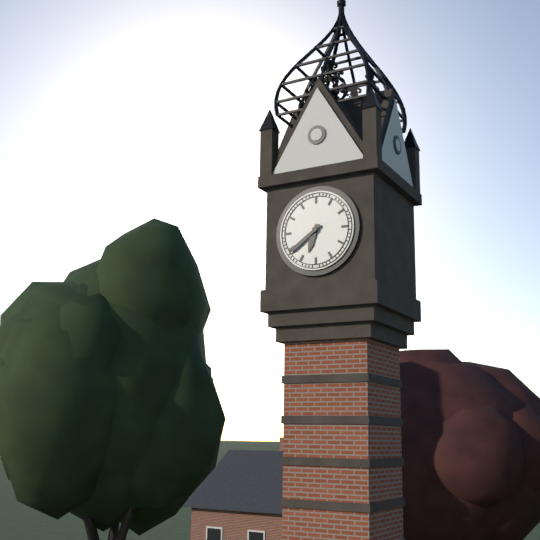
h=6 m=39
